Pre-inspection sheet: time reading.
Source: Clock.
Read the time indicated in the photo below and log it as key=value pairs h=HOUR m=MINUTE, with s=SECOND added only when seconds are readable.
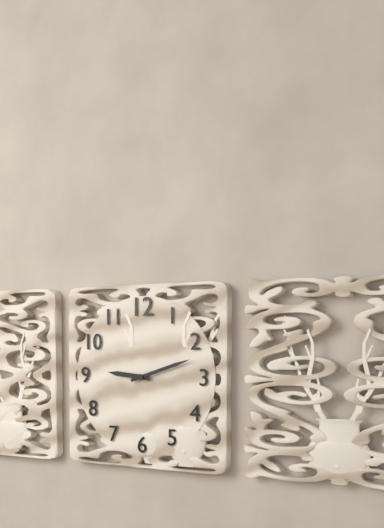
h=9 m=12
